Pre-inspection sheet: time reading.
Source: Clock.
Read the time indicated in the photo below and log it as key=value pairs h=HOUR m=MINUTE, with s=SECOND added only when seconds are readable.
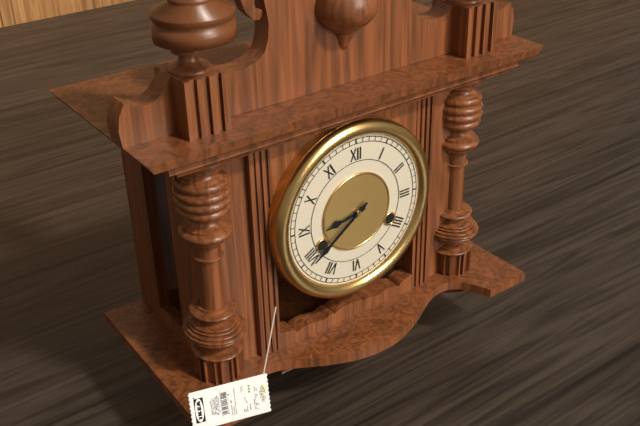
h=8 m=39
